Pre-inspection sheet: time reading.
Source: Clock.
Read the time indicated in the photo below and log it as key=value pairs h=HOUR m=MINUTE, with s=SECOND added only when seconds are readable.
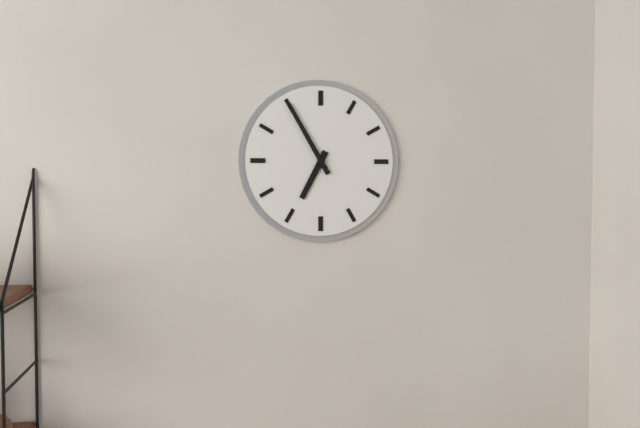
h=6 m=55
